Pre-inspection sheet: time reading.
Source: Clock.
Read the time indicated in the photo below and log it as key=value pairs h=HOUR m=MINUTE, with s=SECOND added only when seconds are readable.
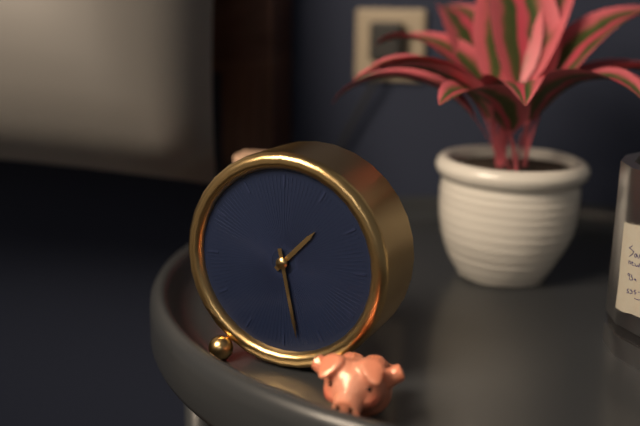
h=1 m=28
